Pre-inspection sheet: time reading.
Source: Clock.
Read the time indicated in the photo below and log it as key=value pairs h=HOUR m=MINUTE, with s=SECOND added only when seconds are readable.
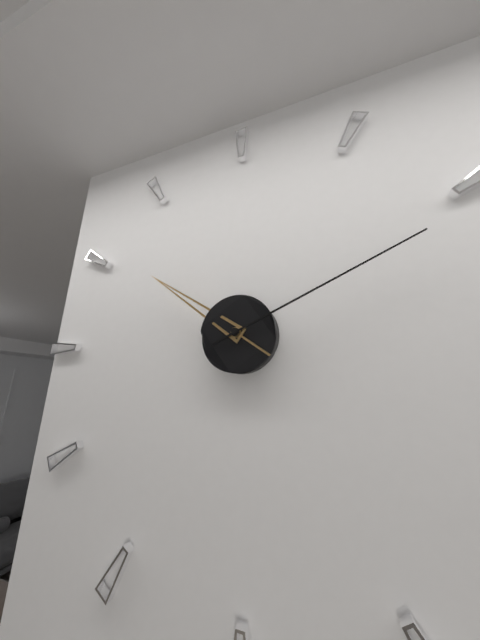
h=10 m=11
